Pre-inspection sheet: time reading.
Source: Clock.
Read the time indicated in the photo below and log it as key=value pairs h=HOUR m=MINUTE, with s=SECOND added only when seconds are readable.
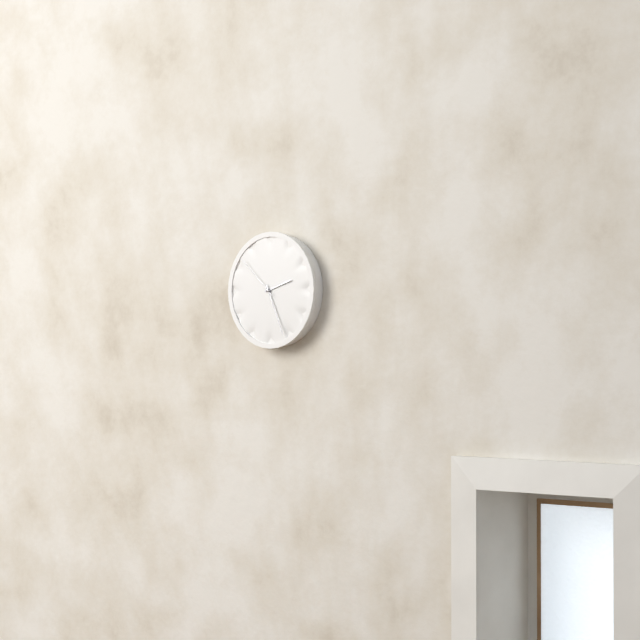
h=2 m=26
